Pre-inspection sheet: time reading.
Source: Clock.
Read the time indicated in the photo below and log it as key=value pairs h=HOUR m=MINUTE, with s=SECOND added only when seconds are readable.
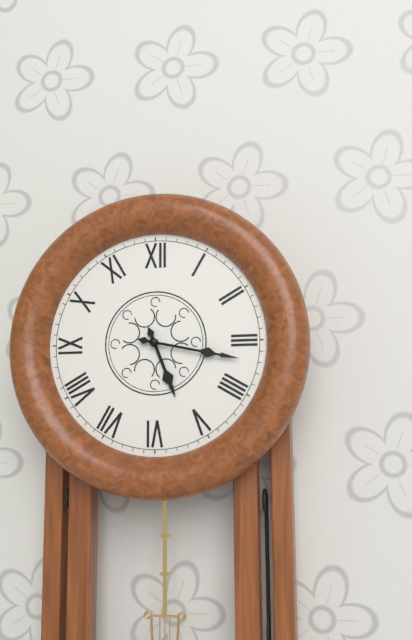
h=5 m=17
